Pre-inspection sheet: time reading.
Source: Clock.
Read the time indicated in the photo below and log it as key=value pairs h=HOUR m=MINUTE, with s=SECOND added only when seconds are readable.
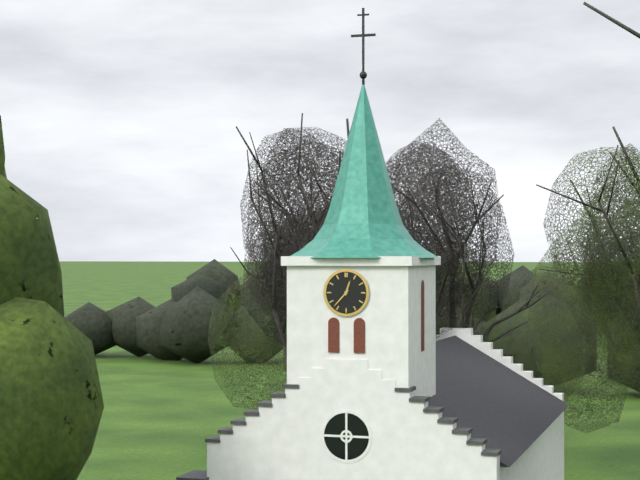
h=12 m=37
